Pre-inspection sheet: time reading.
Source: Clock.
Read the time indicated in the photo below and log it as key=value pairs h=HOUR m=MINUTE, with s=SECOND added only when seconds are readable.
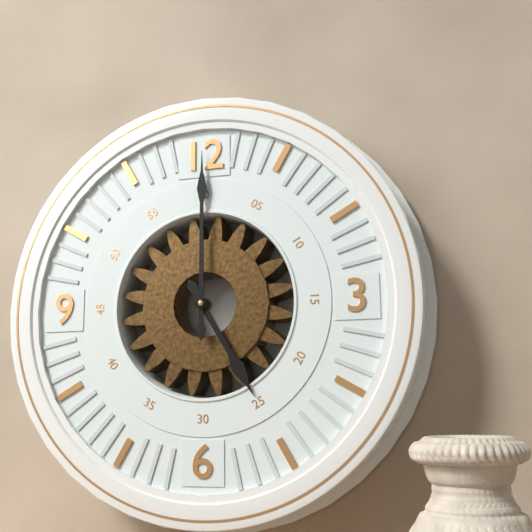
h=5 m=0
